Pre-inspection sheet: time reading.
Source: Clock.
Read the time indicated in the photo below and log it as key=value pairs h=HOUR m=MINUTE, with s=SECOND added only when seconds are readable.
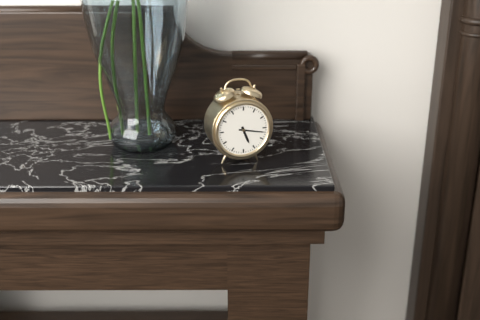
h=5 m=17
